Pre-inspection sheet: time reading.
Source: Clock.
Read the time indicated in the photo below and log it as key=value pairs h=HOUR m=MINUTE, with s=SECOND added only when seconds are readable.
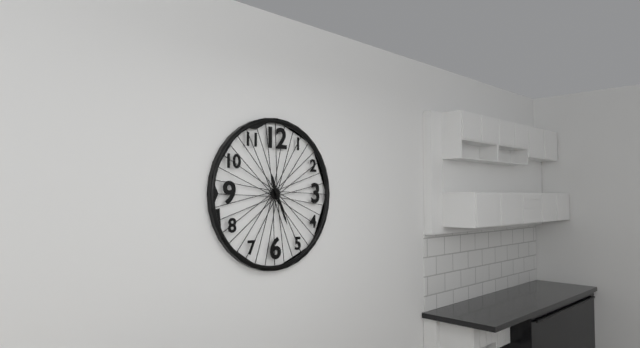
h=11 m=26
